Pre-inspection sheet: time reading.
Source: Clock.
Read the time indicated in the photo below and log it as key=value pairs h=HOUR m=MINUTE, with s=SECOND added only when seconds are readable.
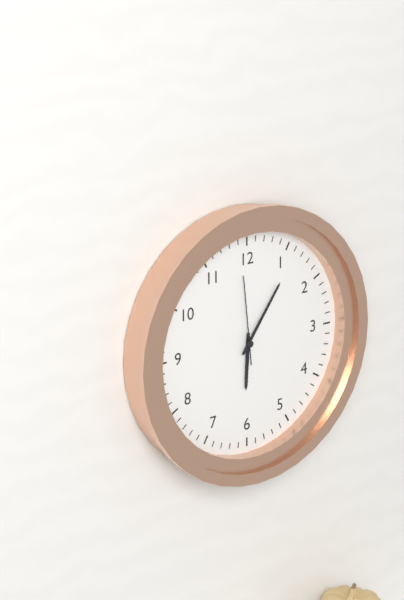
h=6 m=6 s=59
